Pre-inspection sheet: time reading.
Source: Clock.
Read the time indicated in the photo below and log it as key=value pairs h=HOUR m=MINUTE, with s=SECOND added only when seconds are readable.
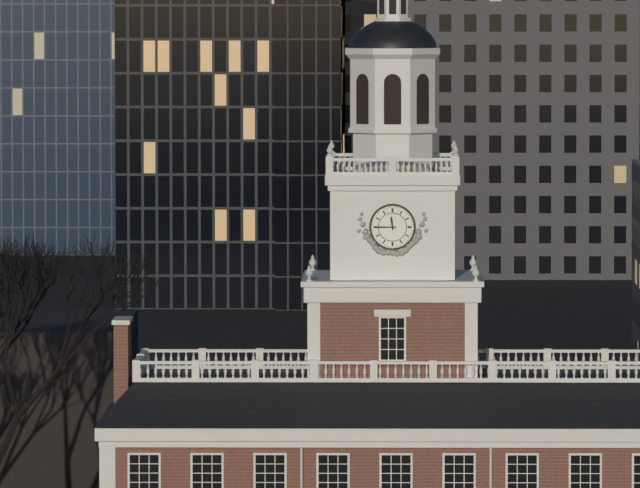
h=11 m=45
